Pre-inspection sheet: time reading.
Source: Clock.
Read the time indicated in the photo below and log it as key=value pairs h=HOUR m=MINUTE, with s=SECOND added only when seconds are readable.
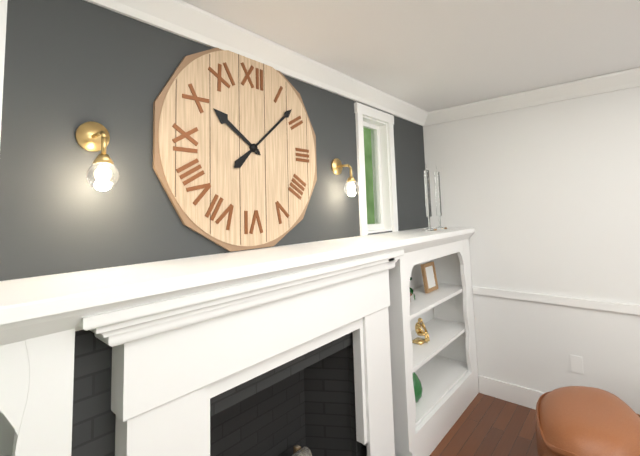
h=10 m=8
